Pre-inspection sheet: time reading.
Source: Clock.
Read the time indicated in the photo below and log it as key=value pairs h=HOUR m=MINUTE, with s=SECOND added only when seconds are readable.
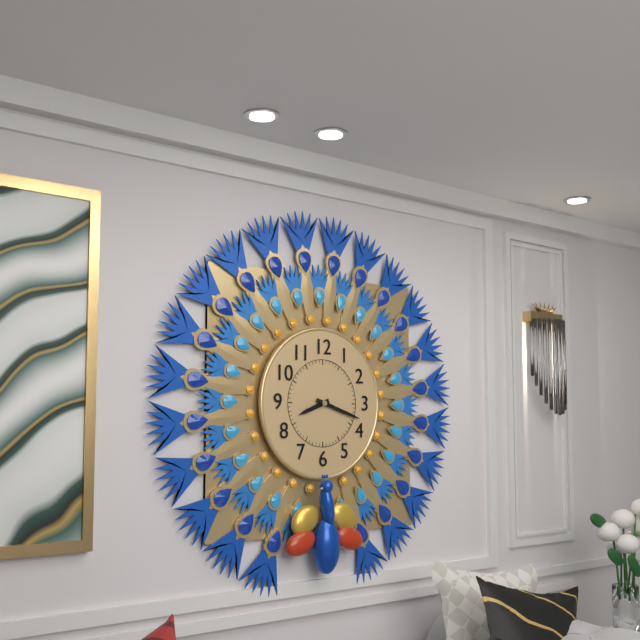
h=8 m=18
